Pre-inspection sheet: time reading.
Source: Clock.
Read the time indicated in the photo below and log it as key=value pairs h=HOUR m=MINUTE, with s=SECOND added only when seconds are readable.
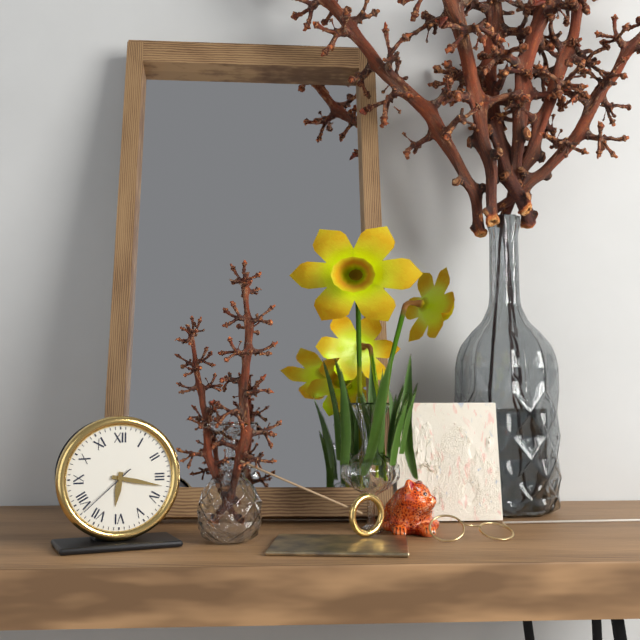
h=6 m=17 s=38
